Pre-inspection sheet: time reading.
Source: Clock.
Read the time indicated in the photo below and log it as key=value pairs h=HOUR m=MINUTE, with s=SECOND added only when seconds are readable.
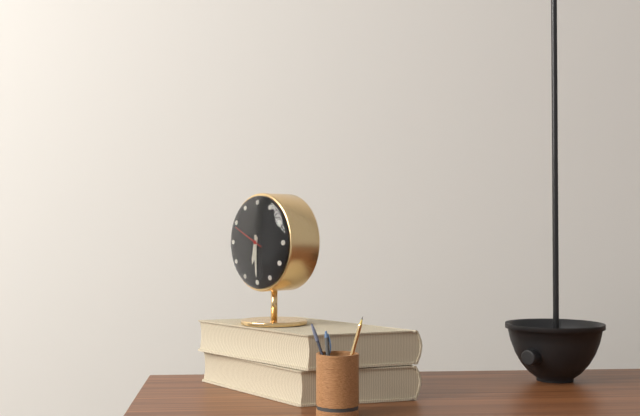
h=6 m=30
